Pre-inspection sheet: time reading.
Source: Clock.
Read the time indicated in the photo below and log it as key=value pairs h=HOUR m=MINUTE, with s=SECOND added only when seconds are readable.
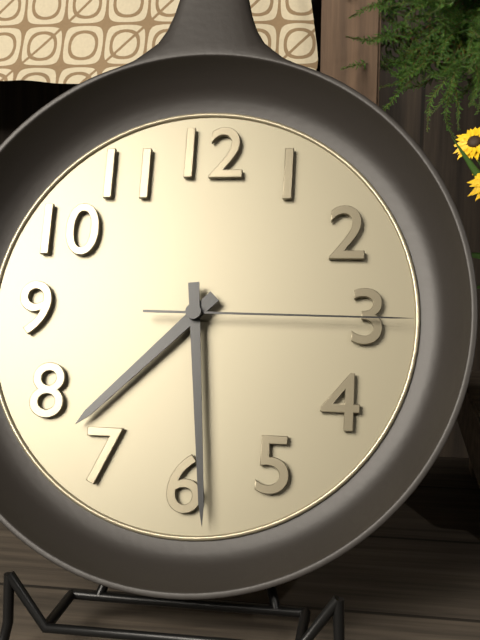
h=7 m=29 s=15
